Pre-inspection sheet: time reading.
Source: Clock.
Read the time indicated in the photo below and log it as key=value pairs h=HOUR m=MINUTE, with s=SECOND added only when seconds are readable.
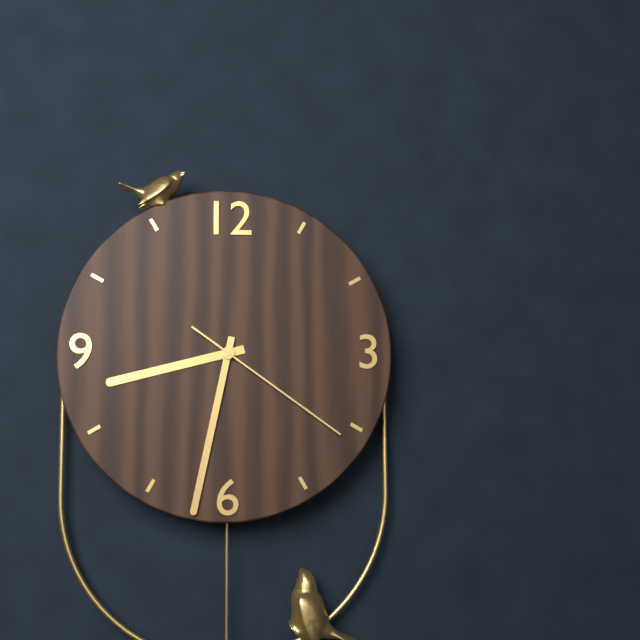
h=8 m=32 s=21
